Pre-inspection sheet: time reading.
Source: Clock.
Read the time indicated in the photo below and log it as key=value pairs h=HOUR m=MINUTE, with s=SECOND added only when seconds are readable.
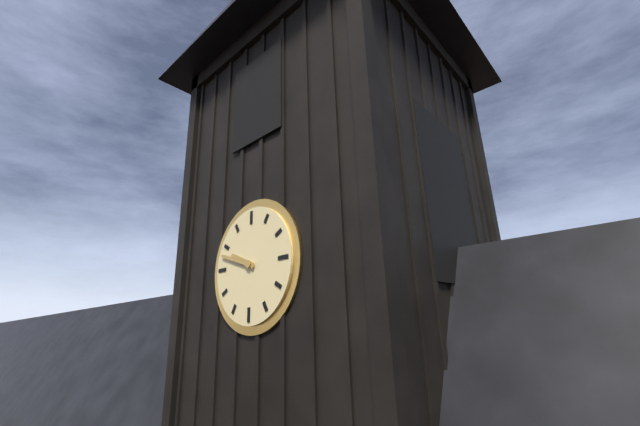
h=9 m=48
